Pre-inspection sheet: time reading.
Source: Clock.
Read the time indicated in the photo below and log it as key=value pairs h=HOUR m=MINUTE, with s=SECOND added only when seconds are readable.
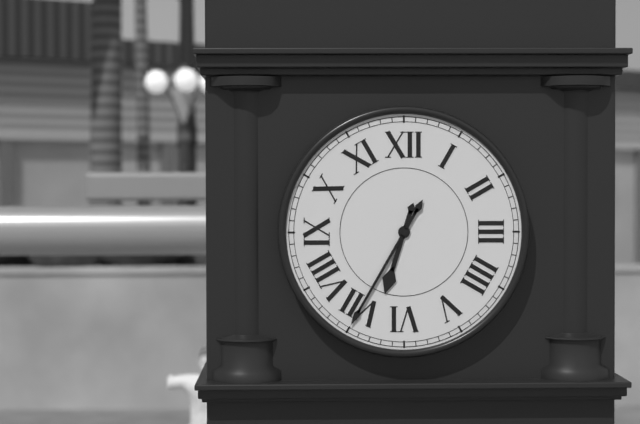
h=6 m=35
